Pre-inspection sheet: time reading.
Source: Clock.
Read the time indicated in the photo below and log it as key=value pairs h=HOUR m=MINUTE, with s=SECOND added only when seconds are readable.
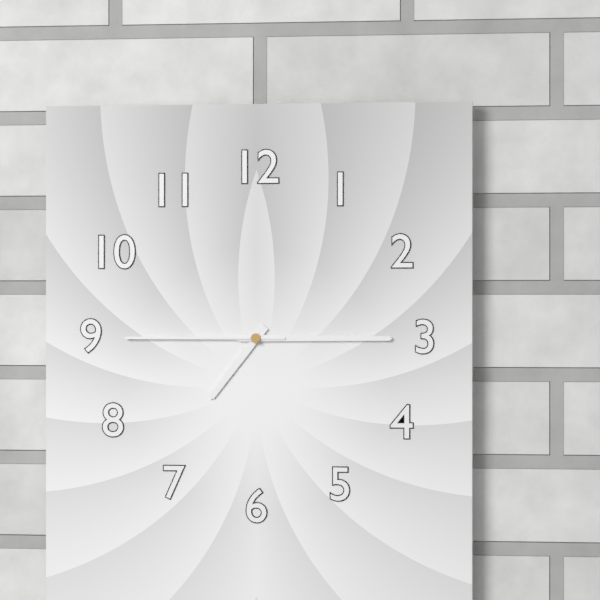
h=7 m=15 s=45
